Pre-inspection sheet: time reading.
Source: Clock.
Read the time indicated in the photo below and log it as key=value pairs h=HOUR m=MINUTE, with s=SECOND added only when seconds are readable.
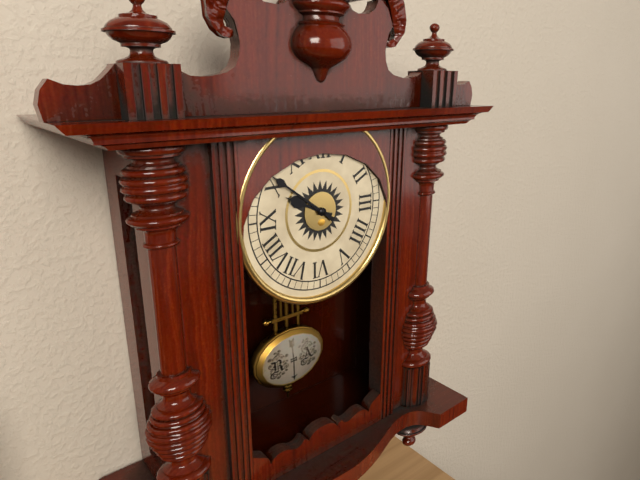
h=9 m=51
